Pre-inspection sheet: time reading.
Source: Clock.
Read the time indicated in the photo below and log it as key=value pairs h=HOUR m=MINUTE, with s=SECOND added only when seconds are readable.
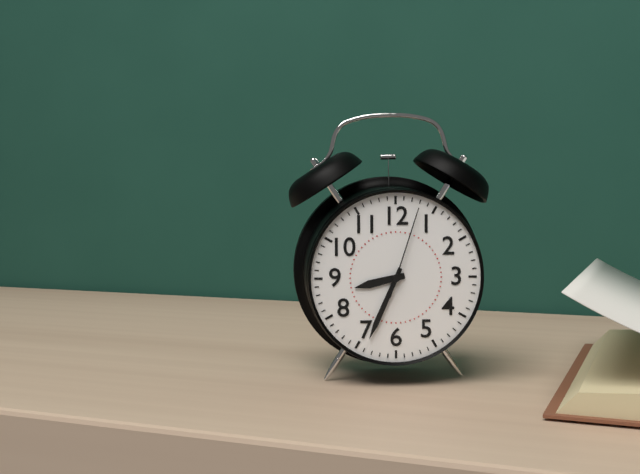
h=8 m=34 s=3
